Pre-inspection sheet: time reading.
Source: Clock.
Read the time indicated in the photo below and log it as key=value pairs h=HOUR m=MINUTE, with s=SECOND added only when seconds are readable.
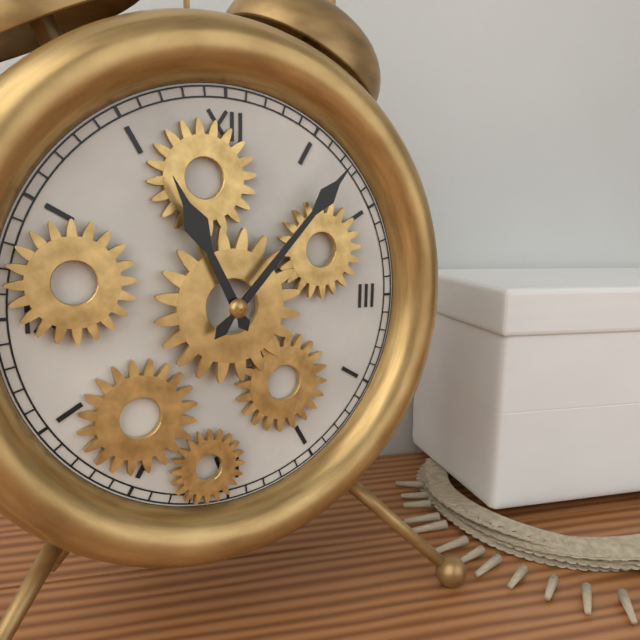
h=11 m=7
